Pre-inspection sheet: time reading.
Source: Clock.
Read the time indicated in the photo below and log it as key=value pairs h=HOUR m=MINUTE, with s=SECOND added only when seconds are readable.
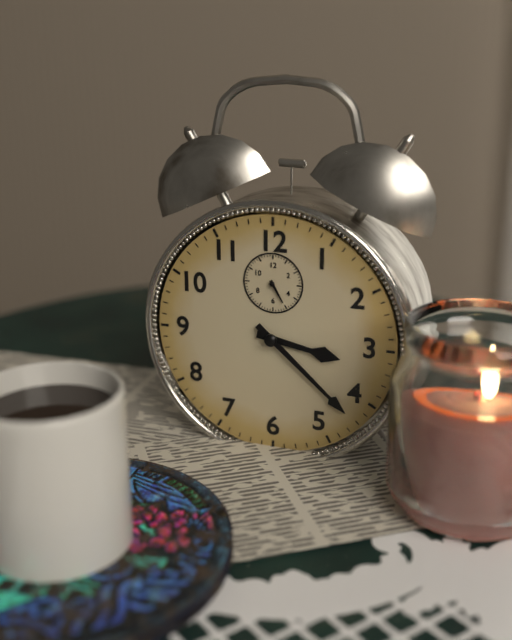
h=3 m=22
